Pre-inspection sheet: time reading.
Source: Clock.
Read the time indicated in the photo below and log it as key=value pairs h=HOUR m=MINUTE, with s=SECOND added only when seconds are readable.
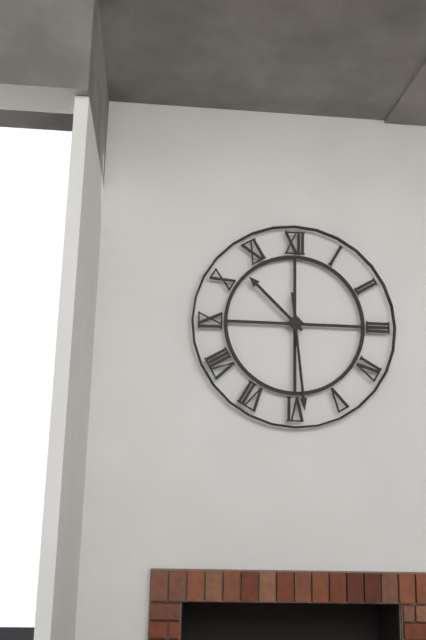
h=10 m=29
